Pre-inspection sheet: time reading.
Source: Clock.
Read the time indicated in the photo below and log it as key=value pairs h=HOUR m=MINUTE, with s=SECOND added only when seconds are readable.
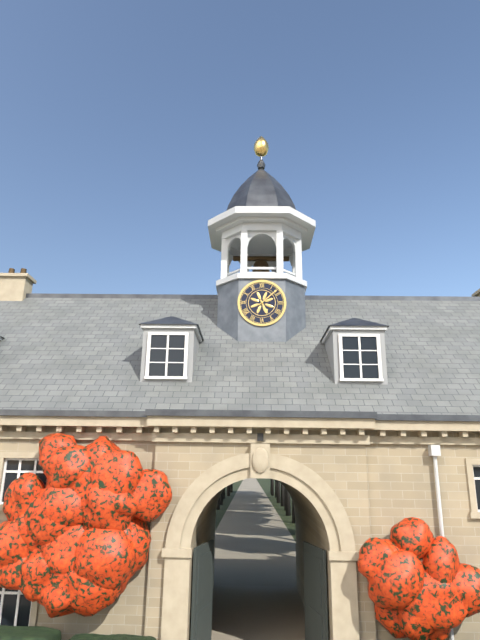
h=5 m=8
